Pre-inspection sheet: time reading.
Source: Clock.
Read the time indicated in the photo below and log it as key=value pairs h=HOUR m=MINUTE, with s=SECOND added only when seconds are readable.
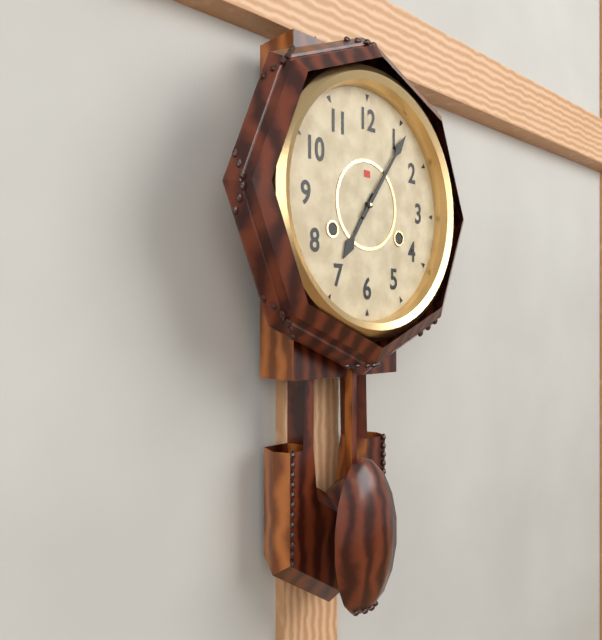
h=7 m=6
